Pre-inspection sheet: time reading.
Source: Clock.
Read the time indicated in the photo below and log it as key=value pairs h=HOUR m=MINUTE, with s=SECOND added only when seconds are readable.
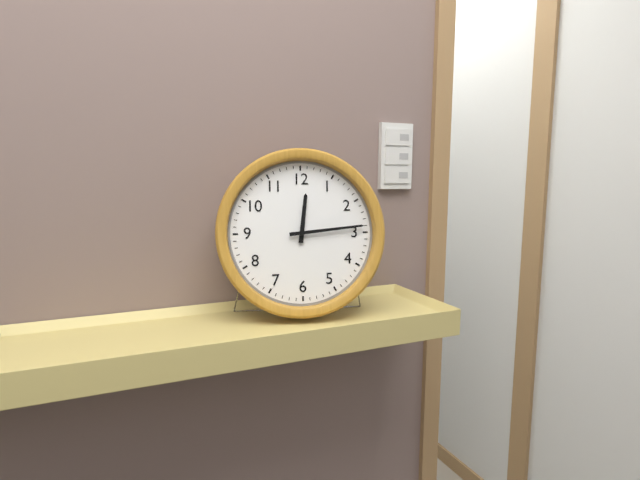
h=12 m=14
